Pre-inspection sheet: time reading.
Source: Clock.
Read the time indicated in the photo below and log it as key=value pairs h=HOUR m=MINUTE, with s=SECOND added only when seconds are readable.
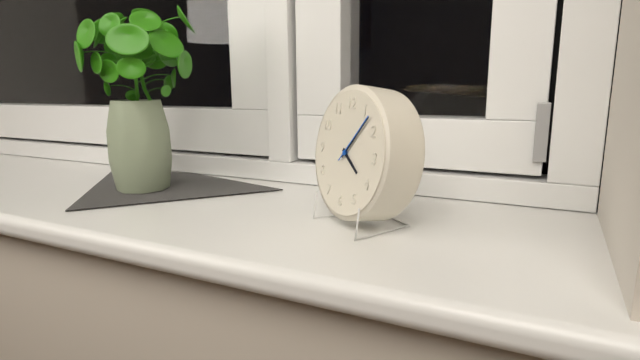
h=4 m=7 s=7
